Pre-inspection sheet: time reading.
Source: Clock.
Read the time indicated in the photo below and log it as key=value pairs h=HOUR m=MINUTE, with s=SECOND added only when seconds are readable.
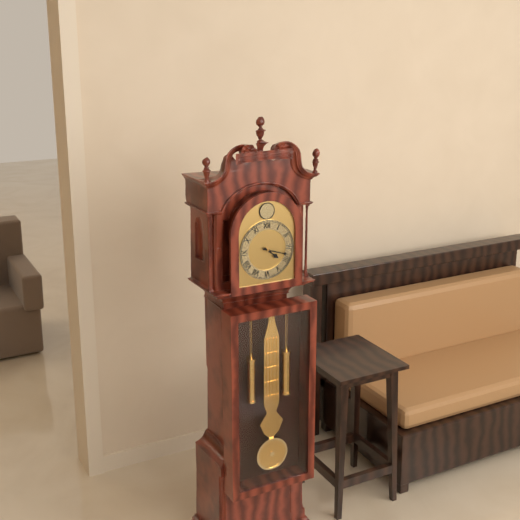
h=4 m=18
